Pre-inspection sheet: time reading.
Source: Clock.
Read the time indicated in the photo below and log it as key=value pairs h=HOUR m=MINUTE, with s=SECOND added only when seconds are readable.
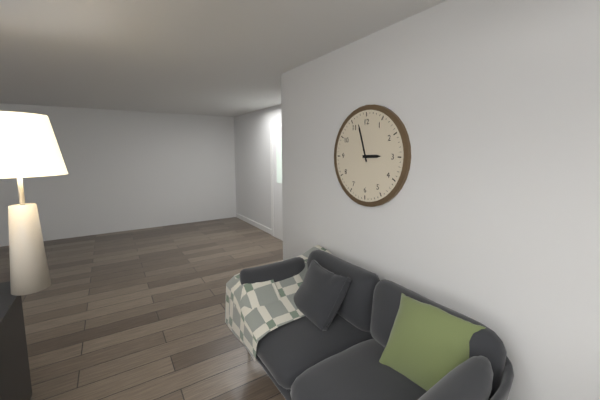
h=2 m=57
